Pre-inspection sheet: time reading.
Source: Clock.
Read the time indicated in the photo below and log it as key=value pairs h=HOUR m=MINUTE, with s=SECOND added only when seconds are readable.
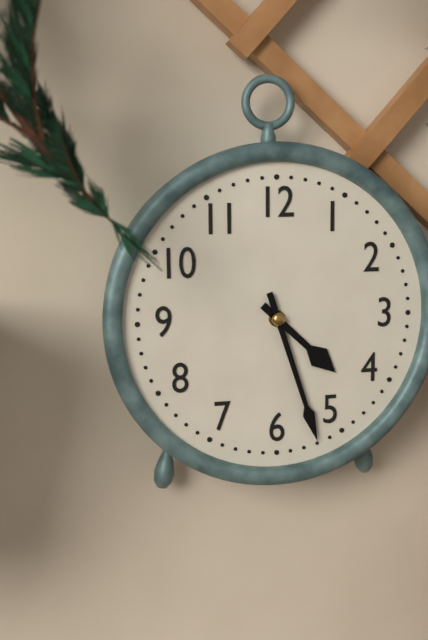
h=4 m=27
